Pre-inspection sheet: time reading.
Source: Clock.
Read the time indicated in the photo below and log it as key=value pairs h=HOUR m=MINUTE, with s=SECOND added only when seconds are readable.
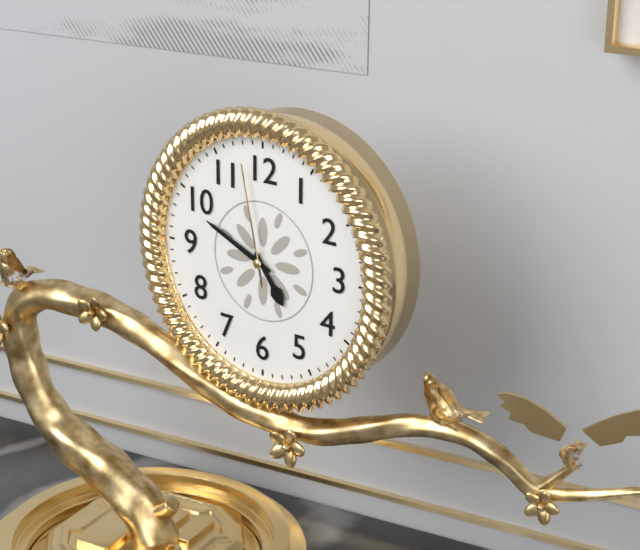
h=4 m=49 s=58
